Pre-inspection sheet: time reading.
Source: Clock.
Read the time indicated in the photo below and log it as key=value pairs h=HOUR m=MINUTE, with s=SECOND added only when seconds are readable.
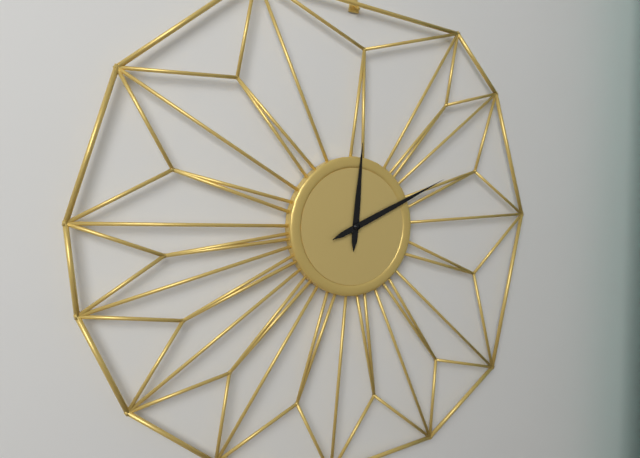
h=12 m=11
